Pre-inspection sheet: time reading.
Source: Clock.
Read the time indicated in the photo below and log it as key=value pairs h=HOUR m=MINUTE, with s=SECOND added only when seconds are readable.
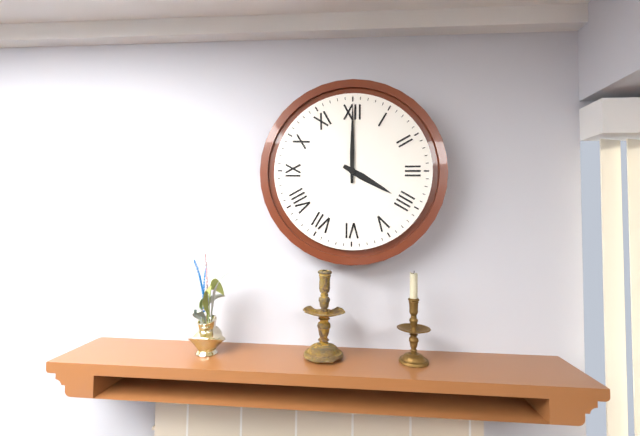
h=4 m=0
